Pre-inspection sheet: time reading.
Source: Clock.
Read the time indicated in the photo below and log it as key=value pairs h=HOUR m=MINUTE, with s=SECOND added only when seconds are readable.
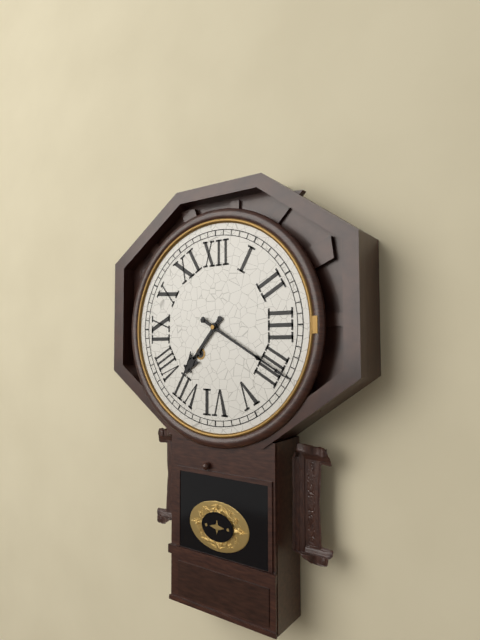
h=7 m=20
